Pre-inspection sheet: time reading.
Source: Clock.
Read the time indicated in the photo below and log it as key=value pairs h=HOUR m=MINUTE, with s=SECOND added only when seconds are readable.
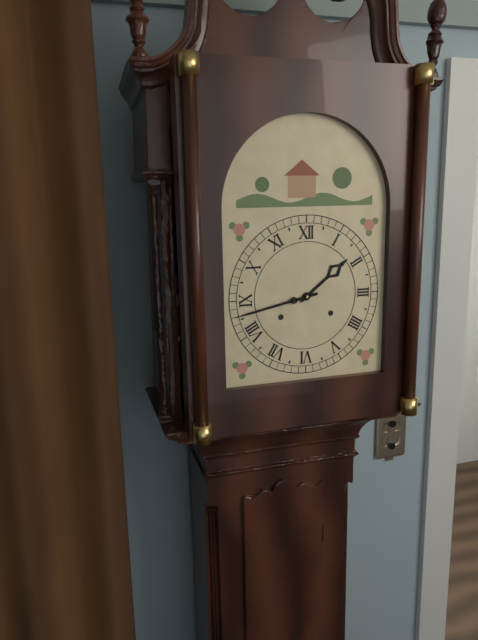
h=1 m=43
